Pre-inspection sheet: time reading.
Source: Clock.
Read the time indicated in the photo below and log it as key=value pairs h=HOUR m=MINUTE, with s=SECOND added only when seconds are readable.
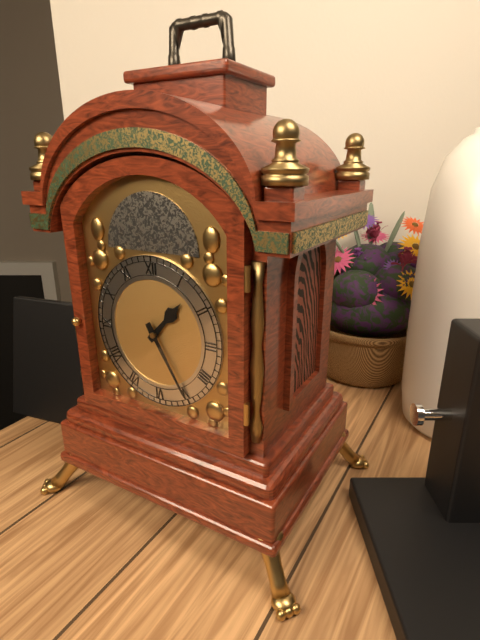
h=1 m=25
